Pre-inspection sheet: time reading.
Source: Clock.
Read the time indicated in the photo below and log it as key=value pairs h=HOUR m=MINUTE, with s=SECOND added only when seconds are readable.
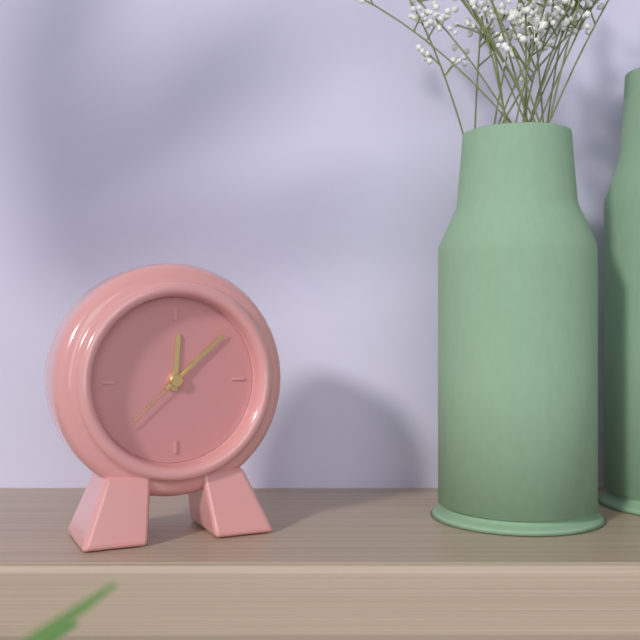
h=12 m=8 s=38
